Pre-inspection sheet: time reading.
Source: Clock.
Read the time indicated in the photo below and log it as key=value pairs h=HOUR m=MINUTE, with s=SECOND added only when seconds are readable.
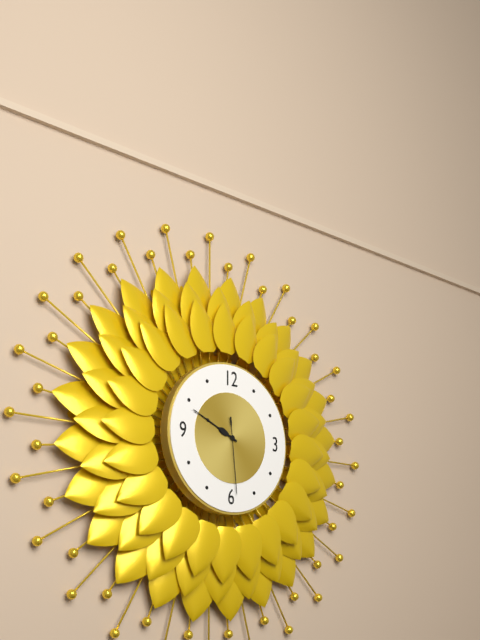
h=9 m=49 s=29
